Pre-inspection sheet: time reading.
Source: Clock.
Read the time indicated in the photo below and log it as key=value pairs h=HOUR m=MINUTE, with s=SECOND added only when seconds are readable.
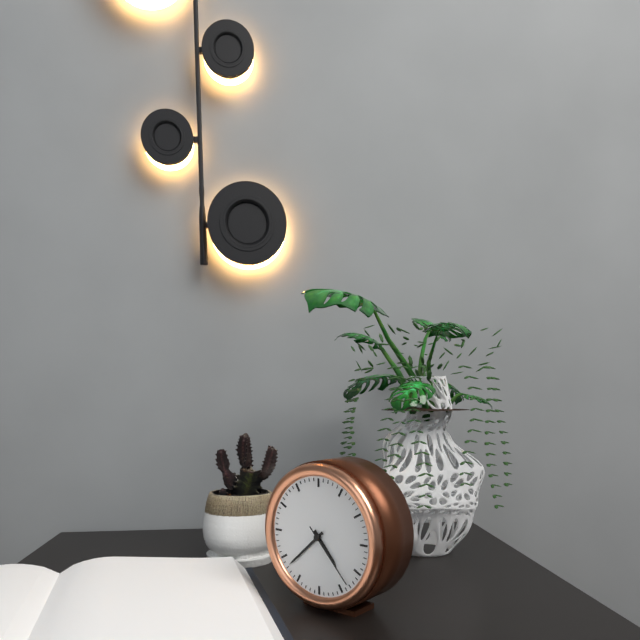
h=4 m=38 s=23
